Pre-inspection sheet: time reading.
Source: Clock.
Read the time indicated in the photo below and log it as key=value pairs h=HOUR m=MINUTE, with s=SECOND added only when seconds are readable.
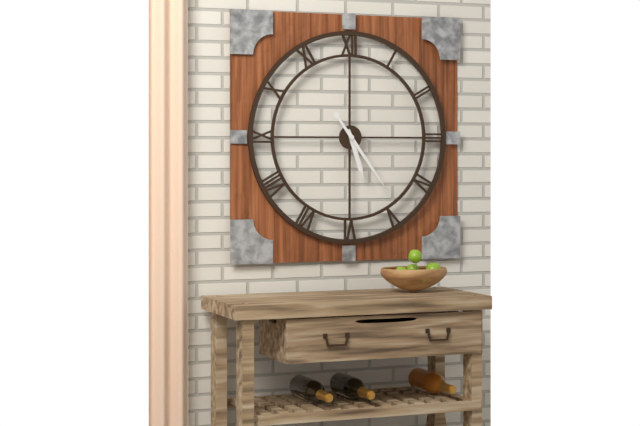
h=5 m=24
